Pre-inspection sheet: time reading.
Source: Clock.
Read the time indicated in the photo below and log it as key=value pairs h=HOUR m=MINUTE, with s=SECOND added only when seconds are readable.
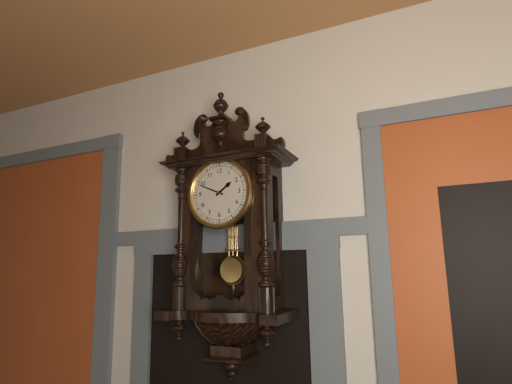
h=1 m=49
